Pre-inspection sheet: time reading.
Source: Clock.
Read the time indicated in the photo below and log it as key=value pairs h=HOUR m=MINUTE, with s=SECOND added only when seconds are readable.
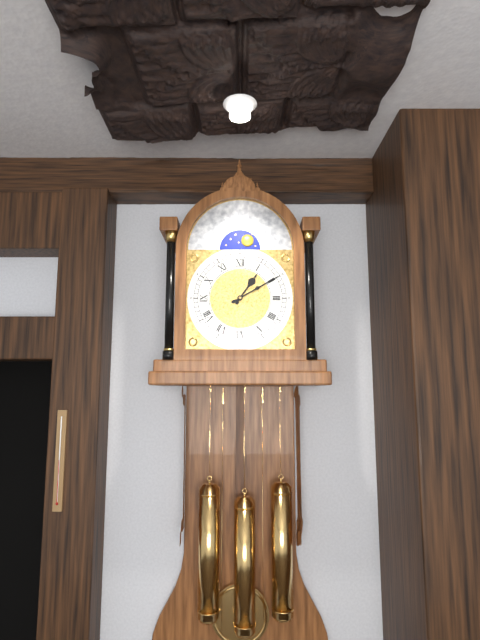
h=1 m=10
